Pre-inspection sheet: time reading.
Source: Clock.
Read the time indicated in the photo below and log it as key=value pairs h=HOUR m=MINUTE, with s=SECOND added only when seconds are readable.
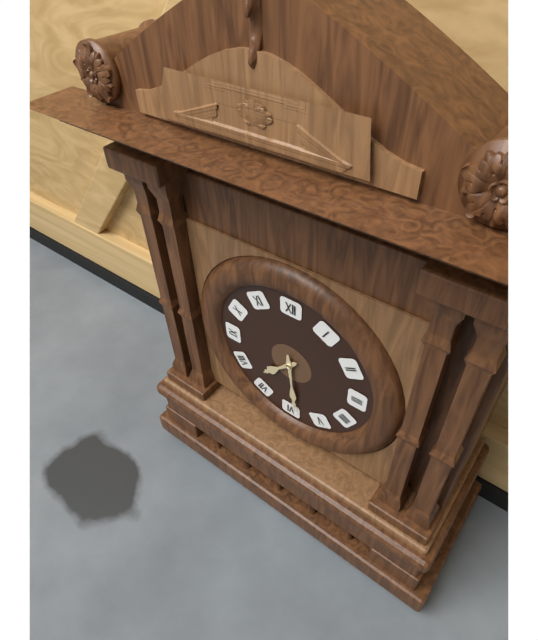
h=7 m=29
